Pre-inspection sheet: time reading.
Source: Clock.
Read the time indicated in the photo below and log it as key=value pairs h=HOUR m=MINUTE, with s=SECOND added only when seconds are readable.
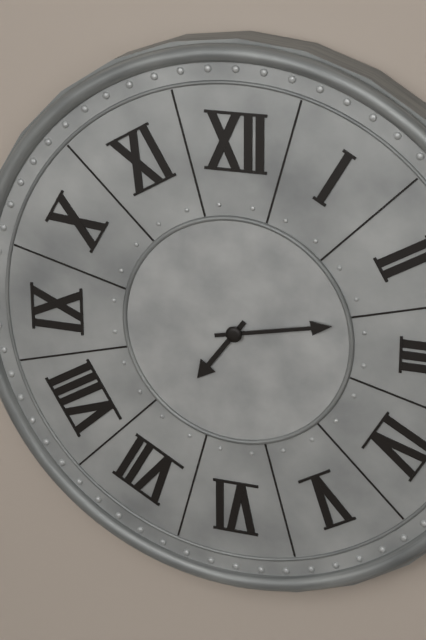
h=7 m=13
